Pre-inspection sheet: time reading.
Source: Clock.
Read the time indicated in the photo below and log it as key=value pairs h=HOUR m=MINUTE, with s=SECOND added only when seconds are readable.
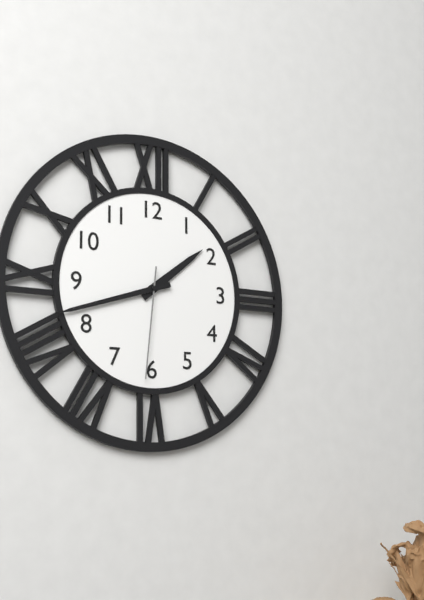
h=1 m=42 s=31
